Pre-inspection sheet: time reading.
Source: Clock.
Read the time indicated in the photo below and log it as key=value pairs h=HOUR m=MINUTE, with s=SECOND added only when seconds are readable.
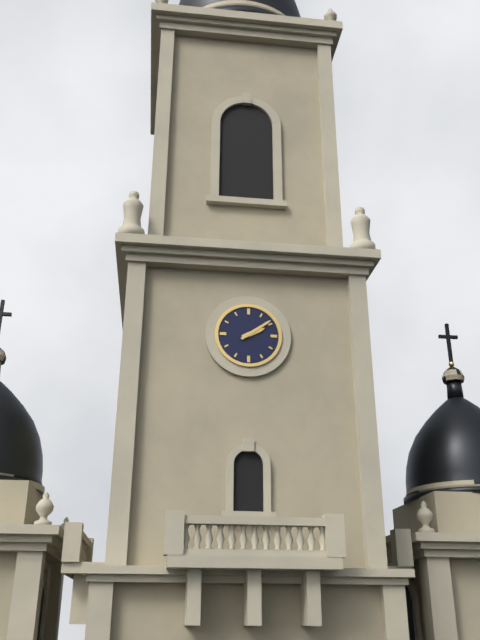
h=2 m=9
